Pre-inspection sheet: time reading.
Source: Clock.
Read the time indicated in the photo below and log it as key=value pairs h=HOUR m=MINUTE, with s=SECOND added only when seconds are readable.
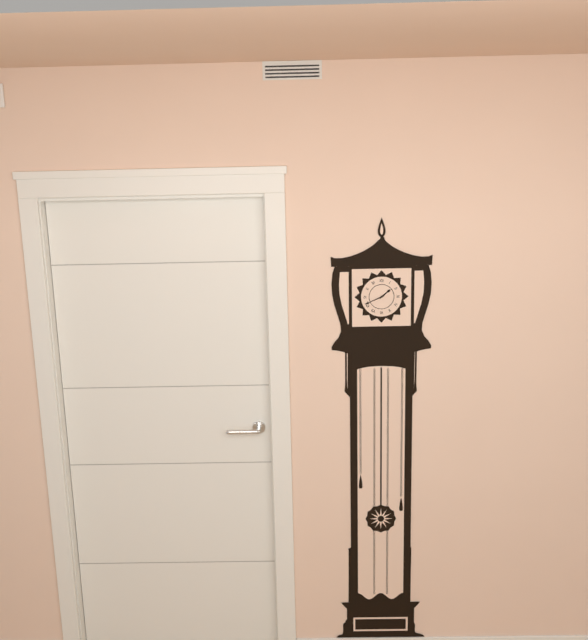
h=1 m=41
